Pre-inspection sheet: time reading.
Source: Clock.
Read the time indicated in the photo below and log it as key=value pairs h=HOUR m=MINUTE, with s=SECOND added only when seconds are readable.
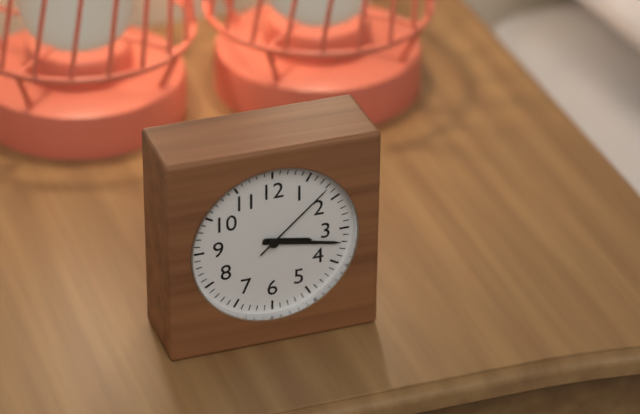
h=3 m=17 s=8
